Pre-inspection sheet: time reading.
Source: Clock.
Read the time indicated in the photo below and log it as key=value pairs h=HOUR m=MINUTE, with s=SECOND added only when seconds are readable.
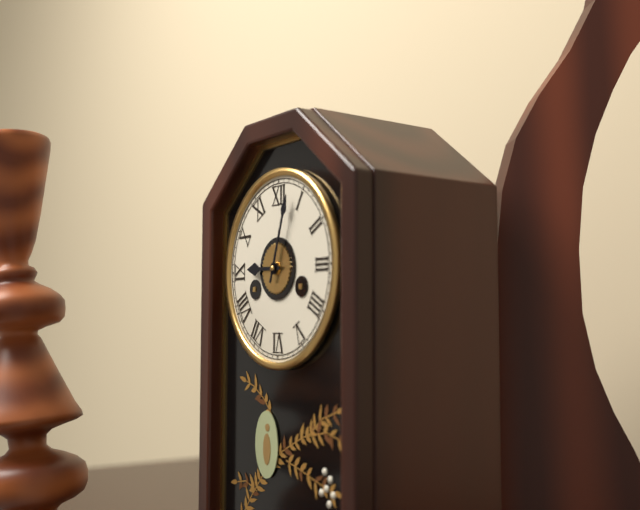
h=9 m=3
